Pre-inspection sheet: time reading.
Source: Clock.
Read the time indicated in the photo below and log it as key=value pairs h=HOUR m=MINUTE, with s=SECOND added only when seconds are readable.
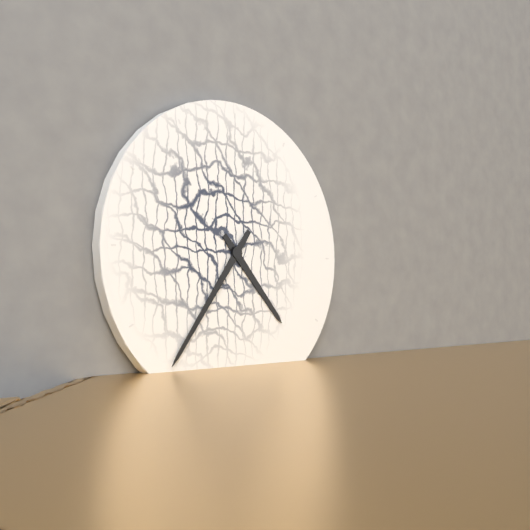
h=4 m=36
